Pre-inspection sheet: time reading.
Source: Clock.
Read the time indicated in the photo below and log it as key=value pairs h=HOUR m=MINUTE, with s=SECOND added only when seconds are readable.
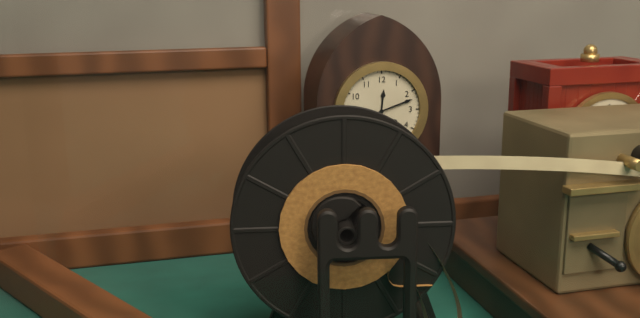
h=12 m=12
